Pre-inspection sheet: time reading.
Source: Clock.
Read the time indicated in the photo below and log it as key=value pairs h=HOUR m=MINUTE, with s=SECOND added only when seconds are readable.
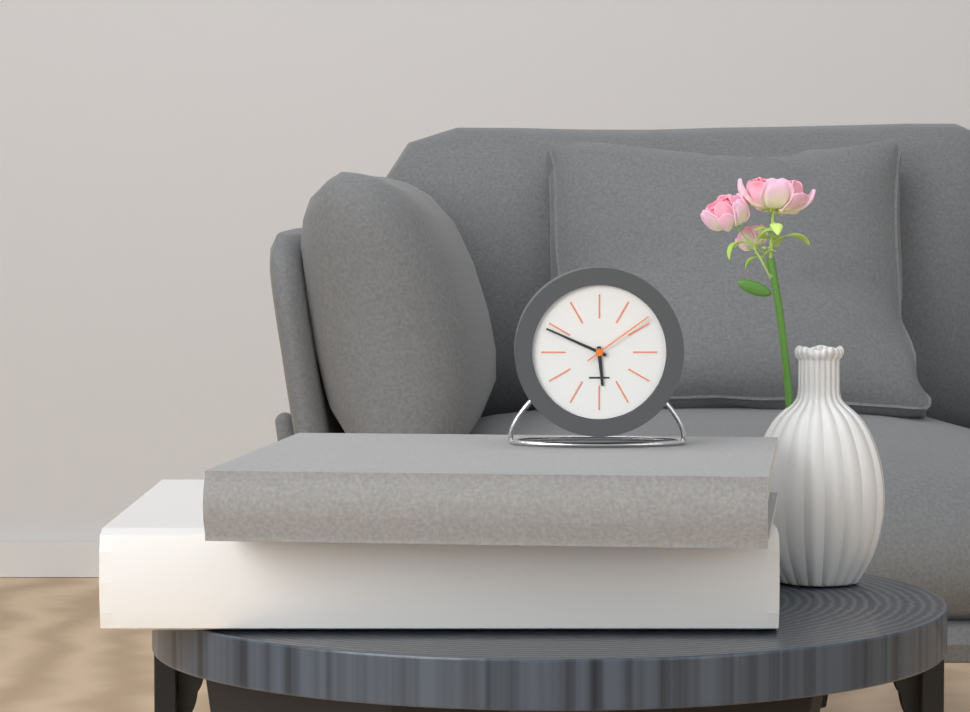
h=5 m=49 s=9
